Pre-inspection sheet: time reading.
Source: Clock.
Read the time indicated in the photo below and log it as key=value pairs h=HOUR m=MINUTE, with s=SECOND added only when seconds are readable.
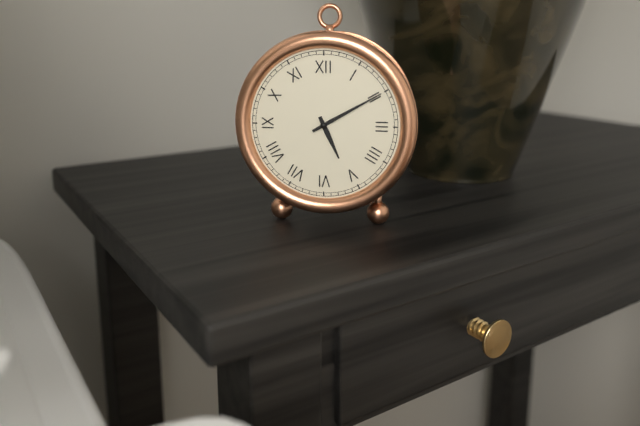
h=5 m=10
